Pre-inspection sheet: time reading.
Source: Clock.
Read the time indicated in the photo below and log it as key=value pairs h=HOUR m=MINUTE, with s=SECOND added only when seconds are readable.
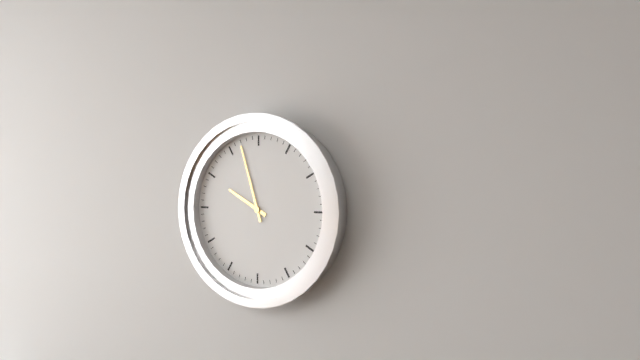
h=9 m=57
